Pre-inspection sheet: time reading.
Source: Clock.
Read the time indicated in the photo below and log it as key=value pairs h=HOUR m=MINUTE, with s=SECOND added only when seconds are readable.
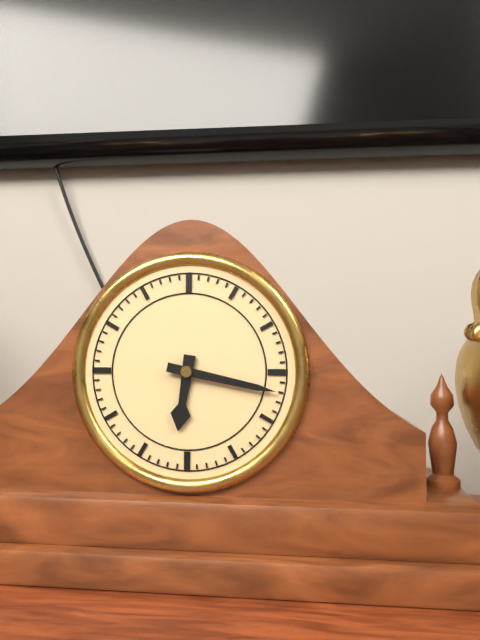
h=6 m=17
